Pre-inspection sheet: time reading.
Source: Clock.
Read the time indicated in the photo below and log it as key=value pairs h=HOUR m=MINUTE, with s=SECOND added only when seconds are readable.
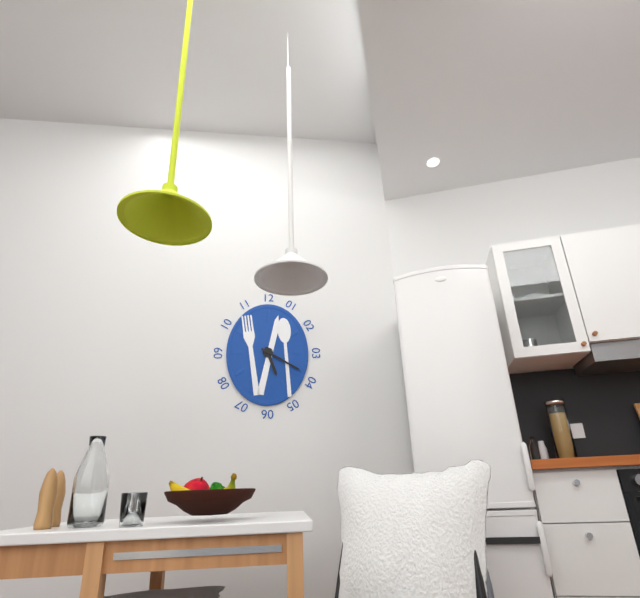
h=5 m=20
